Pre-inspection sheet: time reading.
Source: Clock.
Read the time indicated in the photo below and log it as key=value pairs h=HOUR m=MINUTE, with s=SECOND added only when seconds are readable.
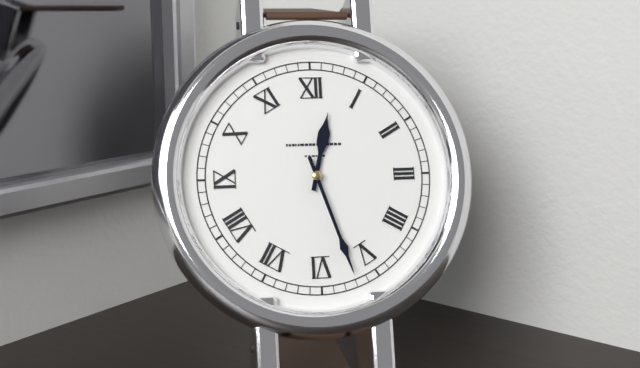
h=12 m=27
